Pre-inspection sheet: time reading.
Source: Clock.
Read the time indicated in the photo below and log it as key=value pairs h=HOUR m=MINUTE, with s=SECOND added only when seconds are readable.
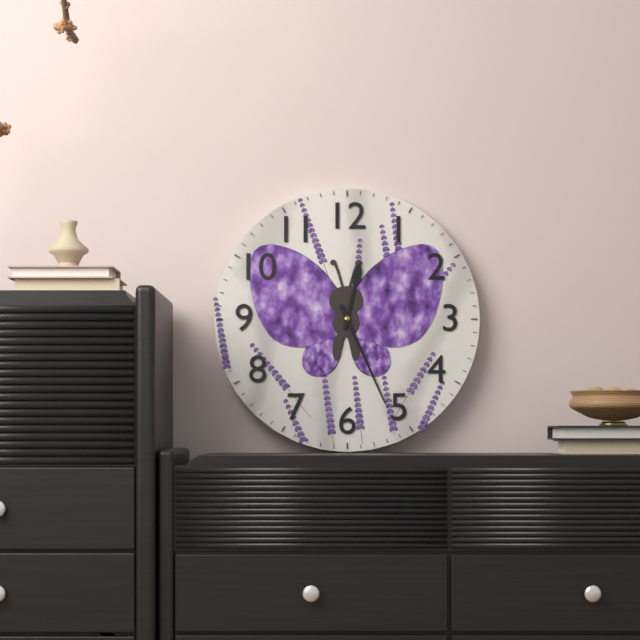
h=12 m=26
